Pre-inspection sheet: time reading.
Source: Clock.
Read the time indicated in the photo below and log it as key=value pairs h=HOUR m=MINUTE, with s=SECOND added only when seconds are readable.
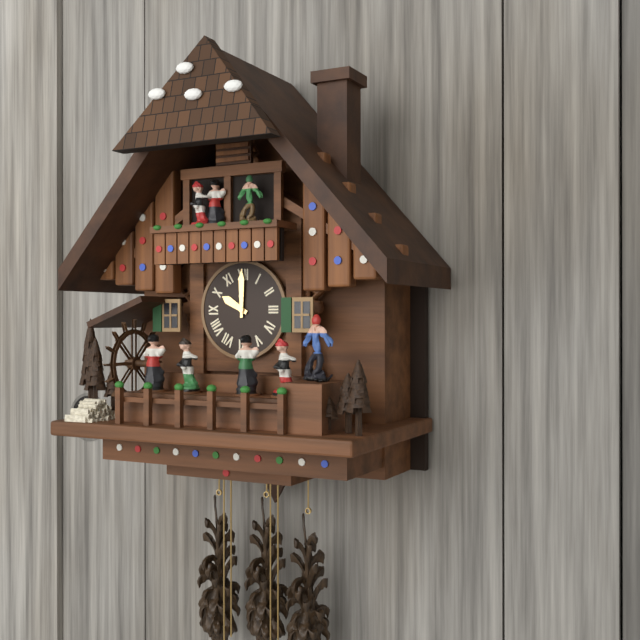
h=10 m=0
